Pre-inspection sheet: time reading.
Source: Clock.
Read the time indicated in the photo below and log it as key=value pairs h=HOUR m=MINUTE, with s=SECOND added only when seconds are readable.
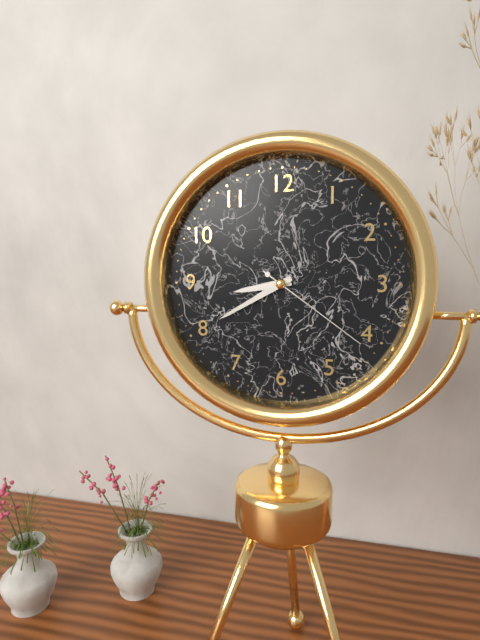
h=8 m=40 s=21
